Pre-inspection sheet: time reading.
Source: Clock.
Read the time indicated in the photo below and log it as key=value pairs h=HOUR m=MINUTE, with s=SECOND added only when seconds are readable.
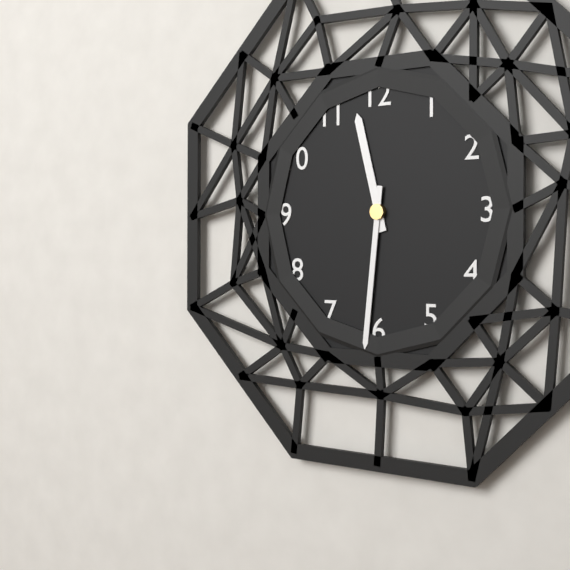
h=11 m=31
